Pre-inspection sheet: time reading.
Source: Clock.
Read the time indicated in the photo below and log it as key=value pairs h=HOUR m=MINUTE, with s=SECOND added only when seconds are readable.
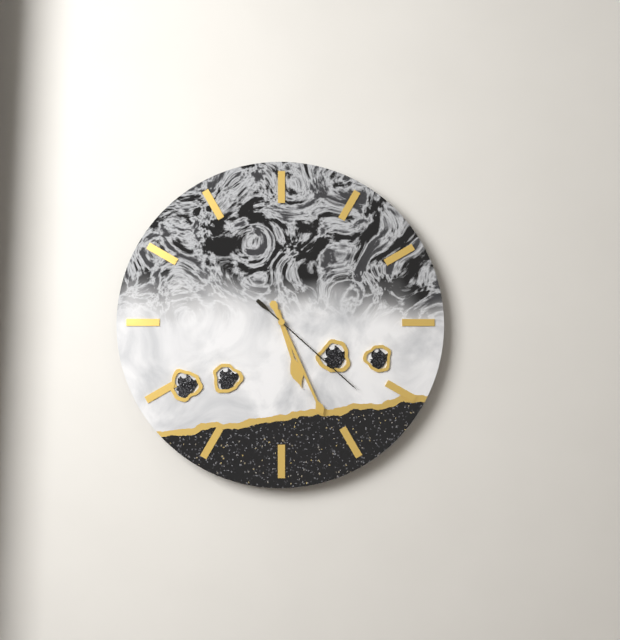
h=5 m=26 s=22
